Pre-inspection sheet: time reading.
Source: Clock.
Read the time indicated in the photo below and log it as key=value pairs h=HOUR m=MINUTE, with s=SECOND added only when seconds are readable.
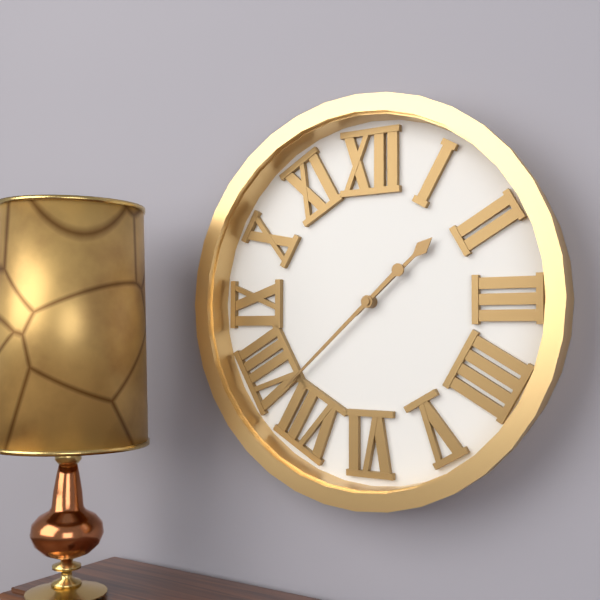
h=1 m=38
